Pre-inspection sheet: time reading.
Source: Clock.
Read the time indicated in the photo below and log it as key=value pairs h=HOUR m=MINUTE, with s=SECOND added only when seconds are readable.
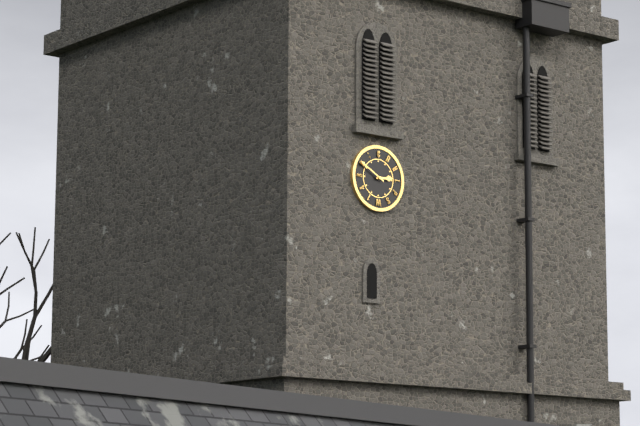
h=2 m=50
